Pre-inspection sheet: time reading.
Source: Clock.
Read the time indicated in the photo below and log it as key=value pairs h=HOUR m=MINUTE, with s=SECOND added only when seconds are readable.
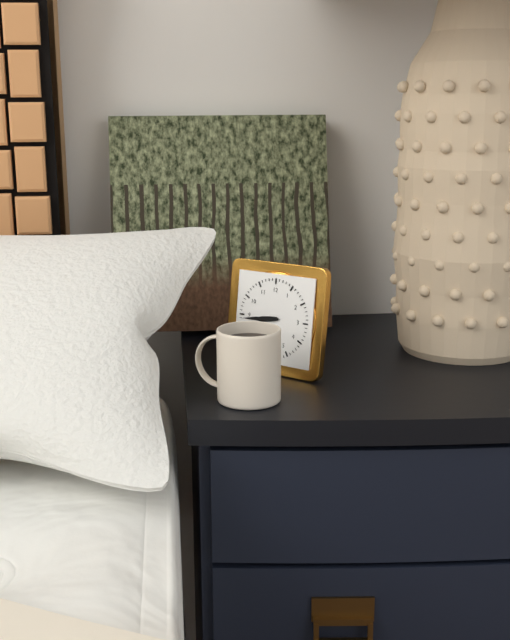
h=8 m=44
